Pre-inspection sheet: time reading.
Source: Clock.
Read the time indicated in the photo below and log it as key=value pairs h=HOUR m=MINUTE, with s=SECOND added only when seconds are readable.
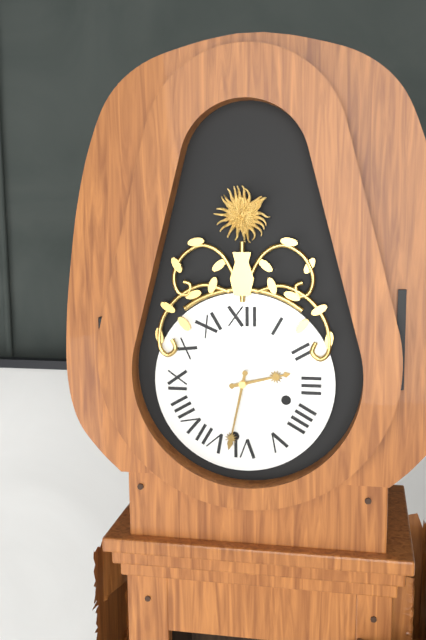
h=2 m=32
